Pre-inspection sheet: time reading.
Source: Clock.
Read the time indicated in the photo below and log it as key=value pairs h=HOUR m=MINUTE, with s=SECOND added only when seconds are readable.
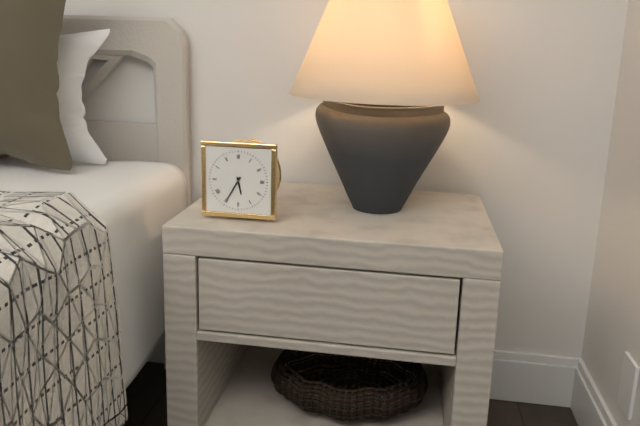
h=5 m=35
